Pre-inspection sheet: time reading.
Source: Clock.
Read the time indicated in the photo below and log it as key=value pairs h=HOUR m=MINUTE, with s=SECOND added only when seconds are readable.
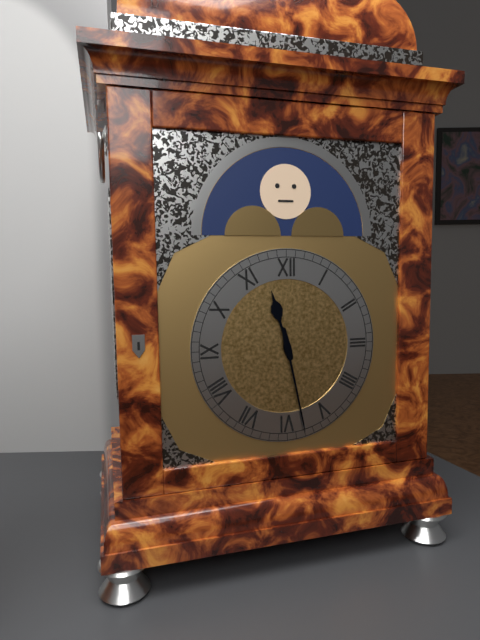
h=11 m=28
